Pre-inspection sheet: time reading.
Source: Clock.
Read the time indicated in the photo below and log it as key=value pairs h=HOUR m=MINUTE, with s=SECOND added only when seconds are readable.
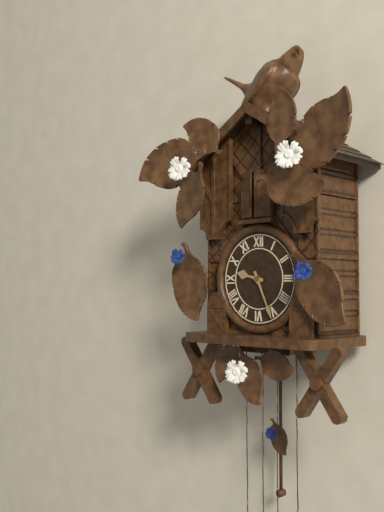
h=9 m=26
